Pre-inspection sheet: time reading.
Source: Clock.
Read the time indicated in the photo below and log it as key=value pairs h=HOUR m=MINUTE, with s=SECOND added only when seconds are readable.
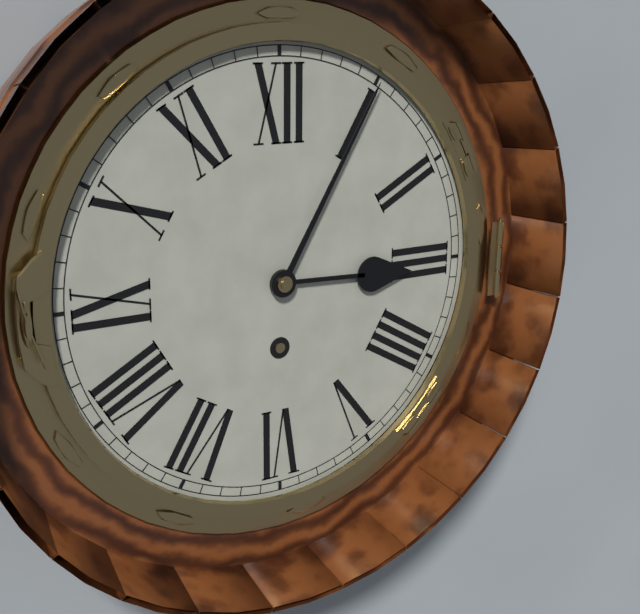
h=3 m=5
